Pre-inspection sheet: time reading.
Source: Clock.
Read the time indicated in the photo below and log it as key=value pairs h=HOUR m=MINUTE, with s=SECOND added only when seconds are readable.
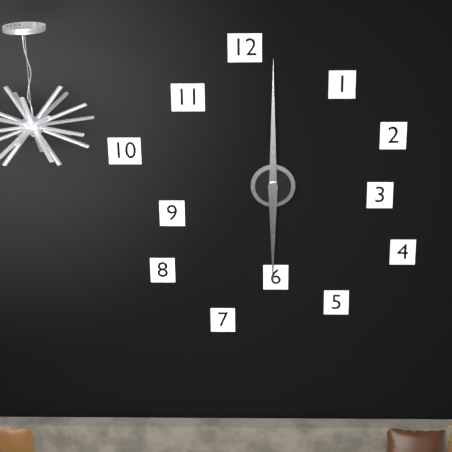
h=6 m=0
